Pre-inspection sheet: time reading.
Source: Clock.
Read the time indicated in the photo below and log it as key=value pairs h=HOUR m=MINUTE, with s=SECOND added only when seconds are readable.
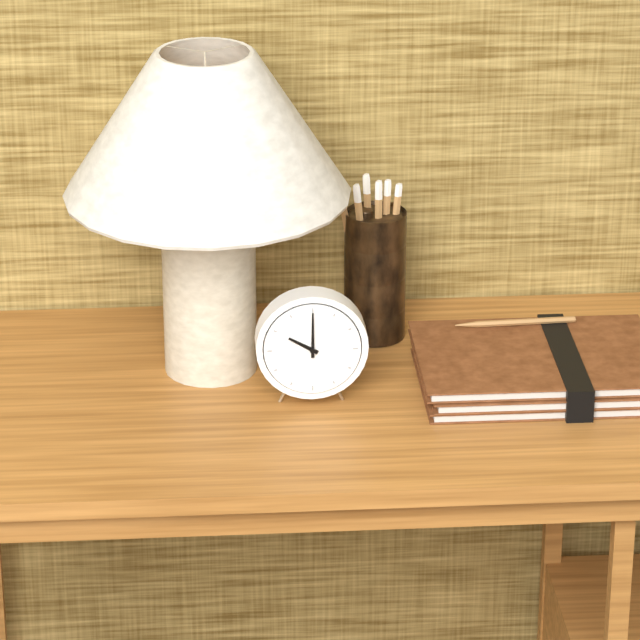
h=10 m=0
